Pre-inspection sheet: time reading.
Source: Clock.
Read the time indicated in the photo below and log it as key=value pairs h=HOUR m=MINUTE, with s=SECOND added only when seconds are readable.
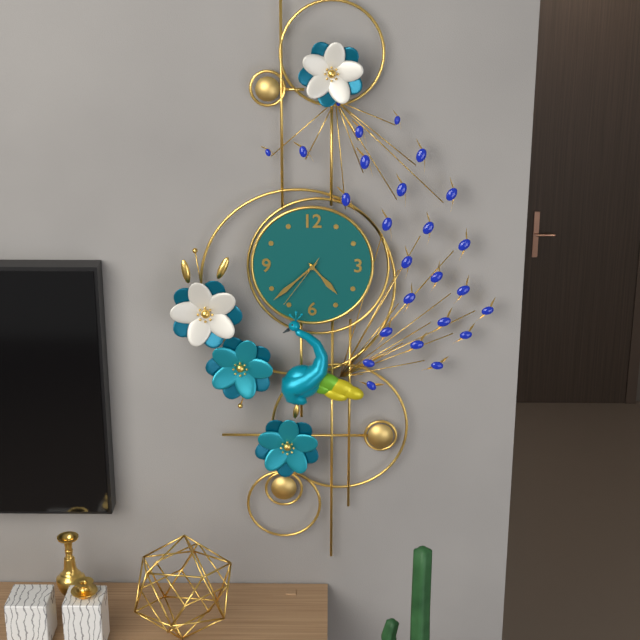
h=4 m=38 s=36
